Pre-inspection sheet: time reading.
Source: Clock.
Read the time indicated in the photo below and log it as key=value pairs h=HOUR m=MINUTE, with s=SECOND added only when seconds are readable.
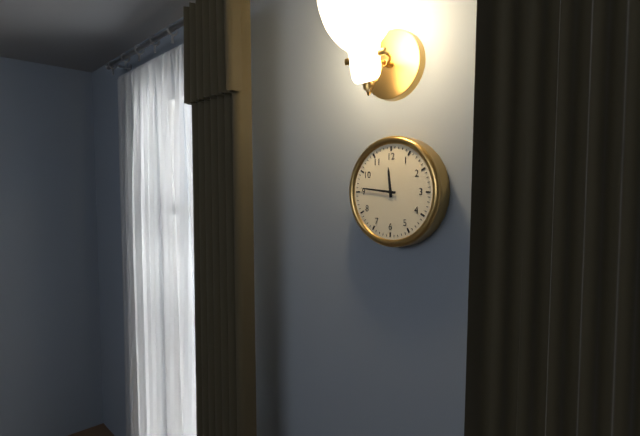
h=11 m=46
